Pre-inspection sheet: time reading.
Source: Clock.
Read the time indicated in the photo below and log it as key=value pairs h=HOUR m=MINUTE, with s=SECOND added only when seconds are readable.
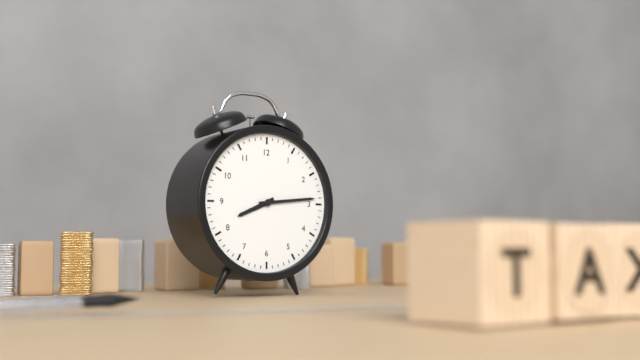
h=8 m=14
